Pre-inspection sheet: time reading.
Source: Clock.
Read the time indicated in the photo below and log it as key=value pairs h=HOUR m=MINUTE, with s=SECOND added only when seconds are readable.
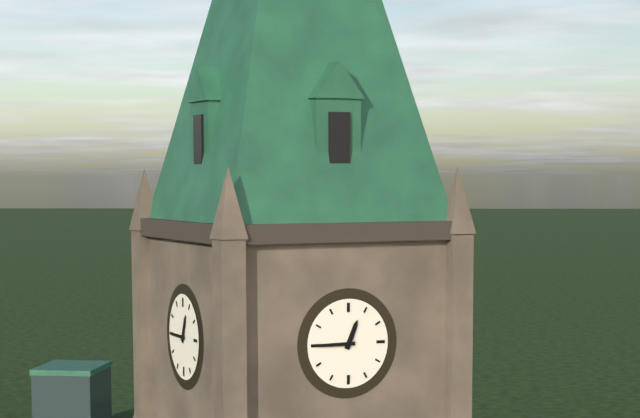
h=12 m=45
